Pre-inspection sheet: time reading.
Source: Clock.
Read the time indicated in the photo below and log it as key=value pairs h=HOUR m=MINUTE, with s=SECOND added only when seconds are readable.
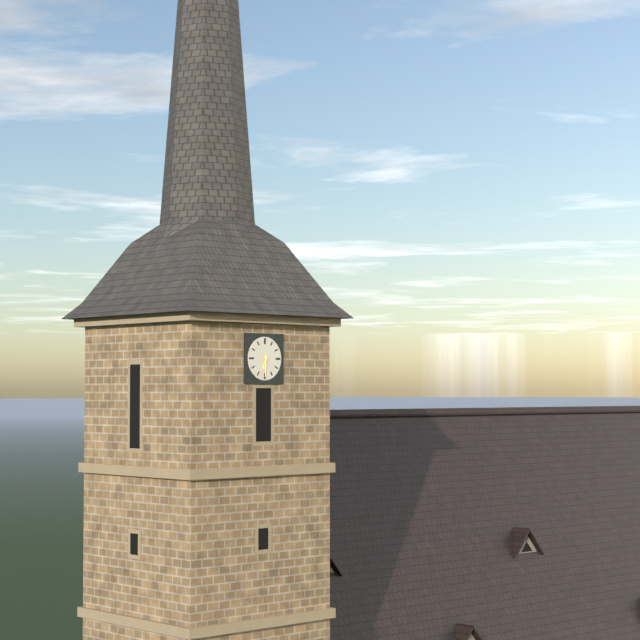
h=6 m=30
